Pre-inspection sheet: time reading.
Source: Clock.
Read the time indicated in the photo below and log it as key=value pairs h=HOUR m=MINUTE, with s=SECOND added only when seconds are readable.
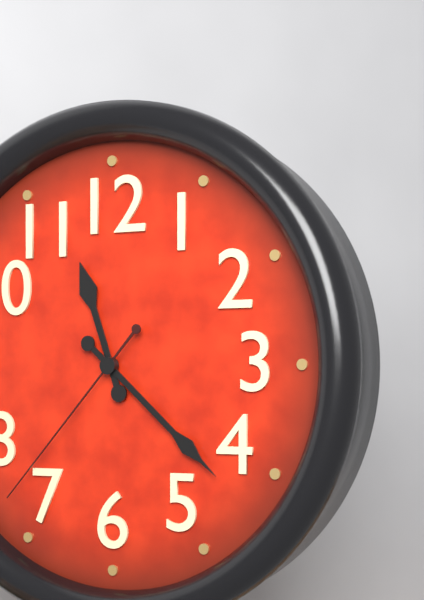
h=11 m=22 s=37
